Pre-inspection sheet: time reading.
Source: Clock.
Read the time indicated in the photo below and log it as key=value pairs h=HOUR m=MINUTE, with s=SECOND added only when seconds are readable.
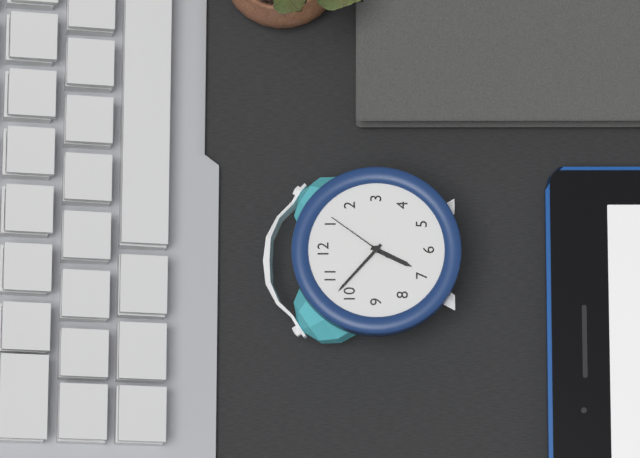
h=6 m=52 s=6
